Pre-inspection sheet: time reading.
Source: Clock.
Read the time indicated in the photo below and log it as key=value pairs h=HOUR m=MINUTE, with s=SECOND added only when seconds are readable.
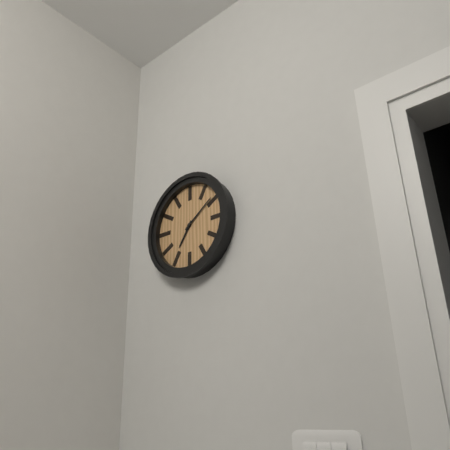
h=7 m=9
